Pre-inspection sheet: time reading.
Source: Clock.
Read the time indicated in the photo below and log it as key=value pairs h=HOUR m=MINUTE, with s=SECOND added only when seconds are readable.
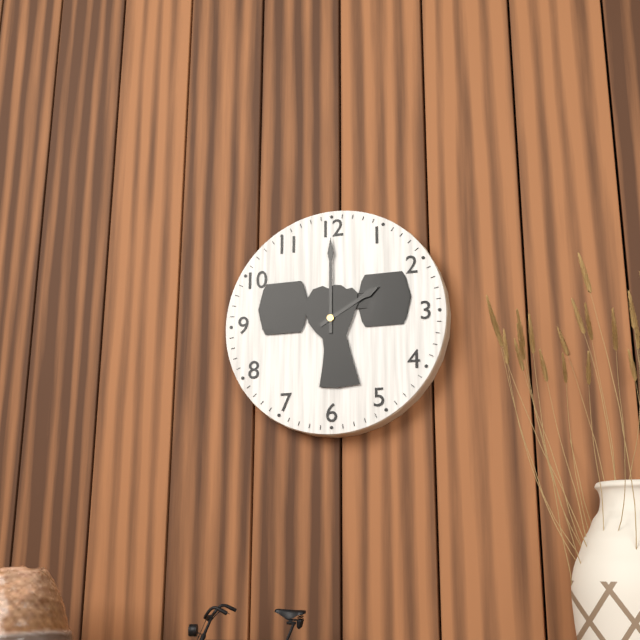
h=2 m=0
